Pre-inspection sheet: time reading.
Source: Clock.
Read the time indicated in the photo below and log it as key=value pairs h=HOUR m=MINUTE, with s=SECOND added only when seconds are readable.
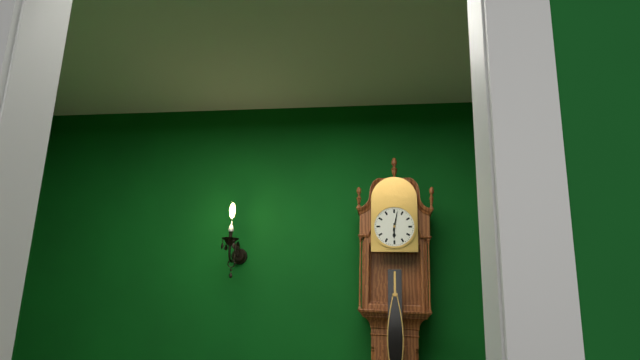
h=6 m=2
